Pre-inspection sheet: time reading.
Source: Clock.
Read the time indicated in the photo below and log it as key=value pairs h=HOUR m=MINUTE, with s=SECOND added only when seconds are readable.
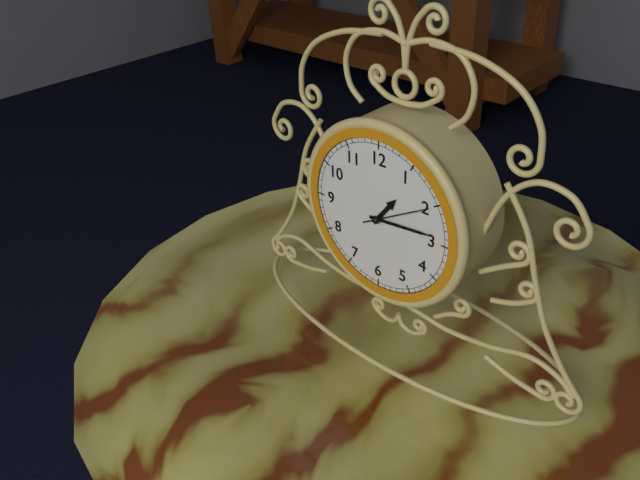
h=1 m=14 s=10
